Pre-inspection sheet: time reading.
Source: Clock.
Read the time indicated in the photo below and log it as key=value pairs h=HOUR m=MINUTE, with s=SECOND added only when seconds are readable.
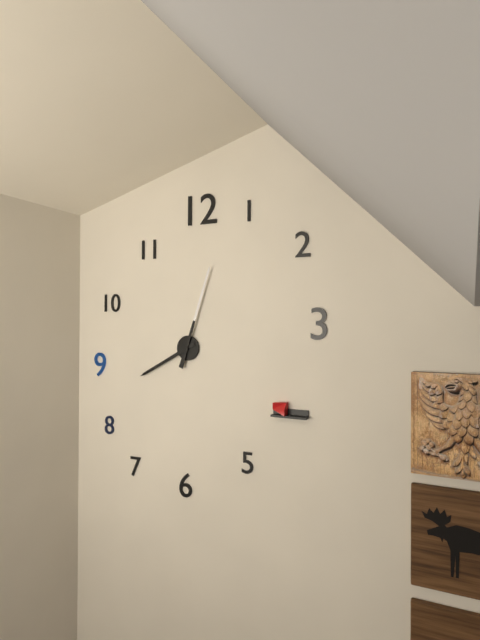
h=8 m=3
